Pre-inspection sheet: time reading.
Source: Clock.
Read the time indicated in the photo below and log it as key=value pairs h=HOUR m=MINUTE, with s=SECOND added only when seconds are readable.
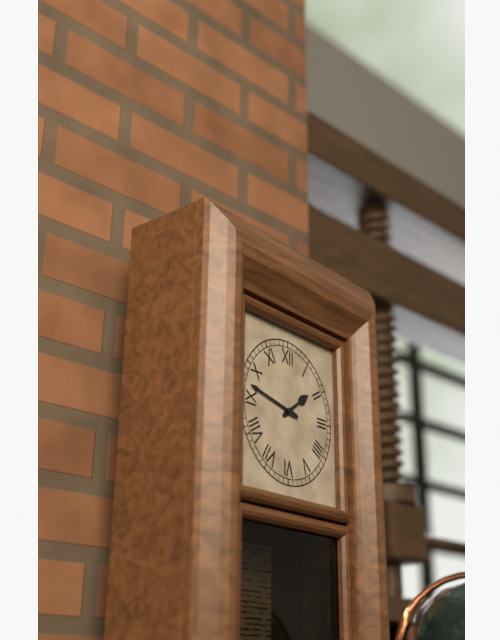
h=1 m=47
